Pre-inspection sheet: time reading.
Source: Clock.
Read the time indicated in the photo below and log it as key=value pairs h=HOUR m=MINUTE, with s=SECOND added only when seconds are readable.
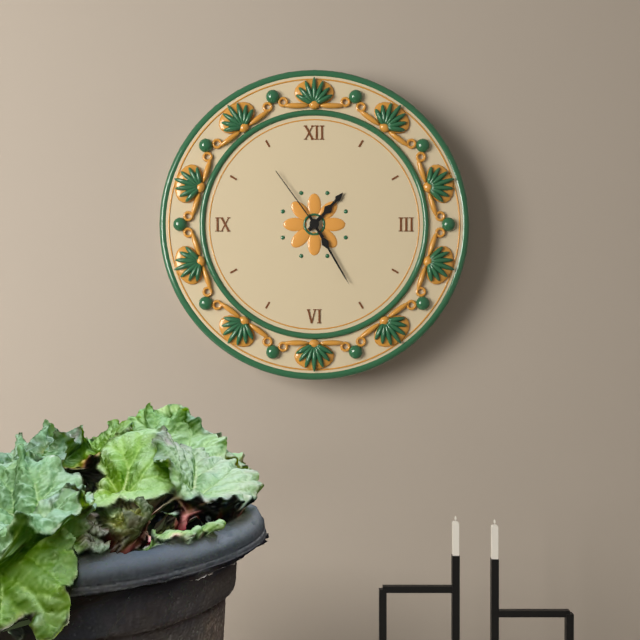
h=1 m=25 s=54
